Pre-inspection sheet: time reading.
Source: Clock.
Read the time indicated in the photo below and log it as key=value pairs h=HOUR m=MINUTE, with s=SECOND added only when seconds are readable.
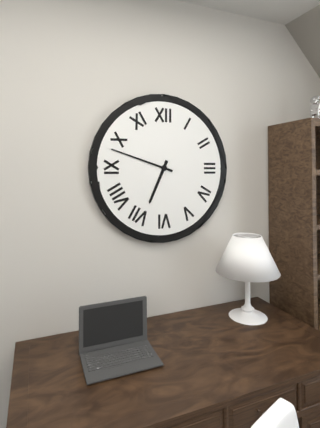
h=6 m=48
